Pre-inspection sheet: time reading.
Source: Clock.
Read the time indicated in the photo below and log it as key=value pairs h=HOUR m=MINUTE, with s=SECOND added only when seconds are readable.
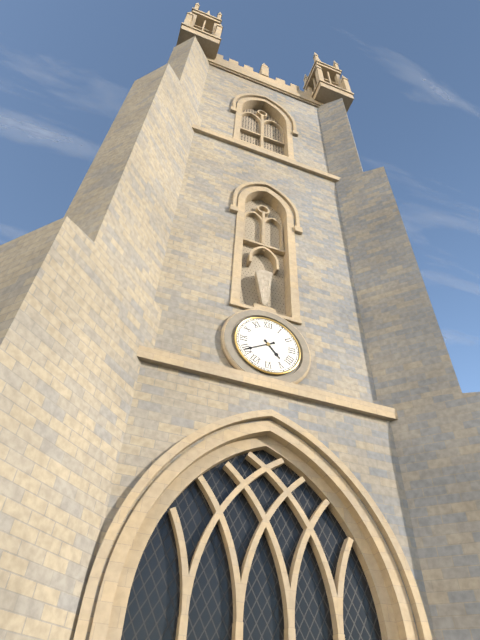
h=4 m=40
